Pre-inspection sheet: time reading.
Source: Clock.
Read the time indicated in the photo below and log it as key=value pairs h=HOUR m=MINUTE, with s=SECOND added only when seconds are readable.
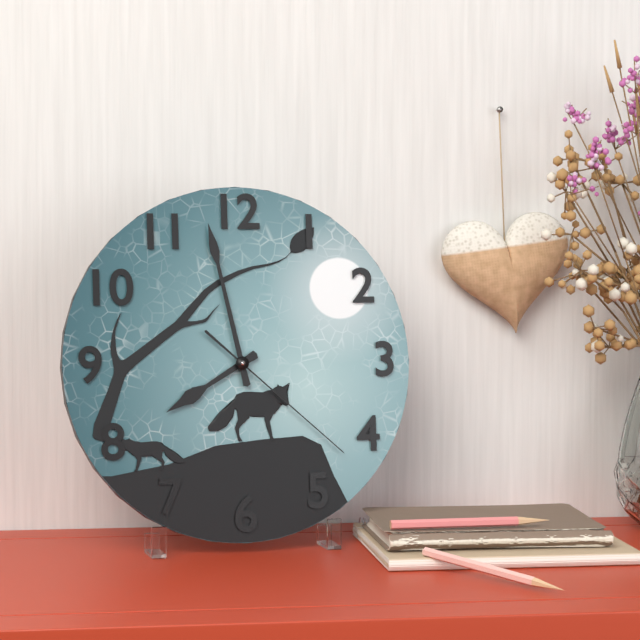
h=7 m=58 s=22
